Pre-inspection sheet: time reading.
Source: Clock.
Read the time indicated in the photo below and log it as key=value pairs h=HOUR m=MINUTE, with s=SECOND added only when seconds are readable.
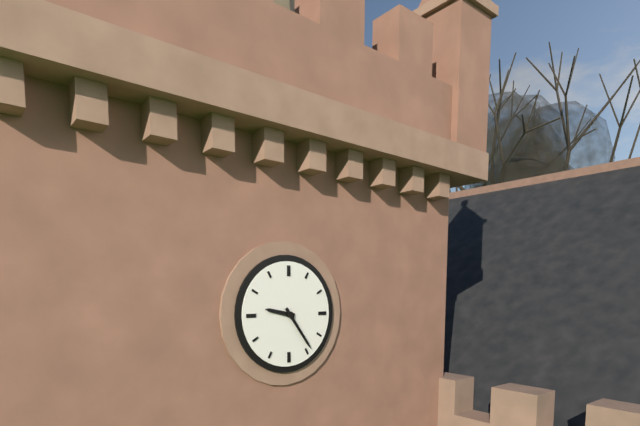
h=9 m=24
